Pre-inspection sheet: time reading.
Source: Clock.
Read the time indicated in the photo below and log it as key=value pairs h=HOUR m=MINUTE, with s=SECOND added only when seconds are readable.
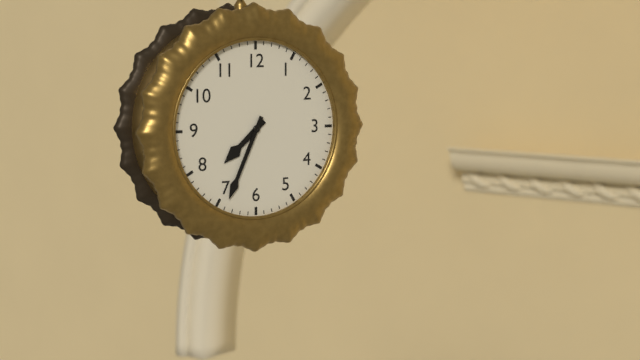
h=7 m=34
